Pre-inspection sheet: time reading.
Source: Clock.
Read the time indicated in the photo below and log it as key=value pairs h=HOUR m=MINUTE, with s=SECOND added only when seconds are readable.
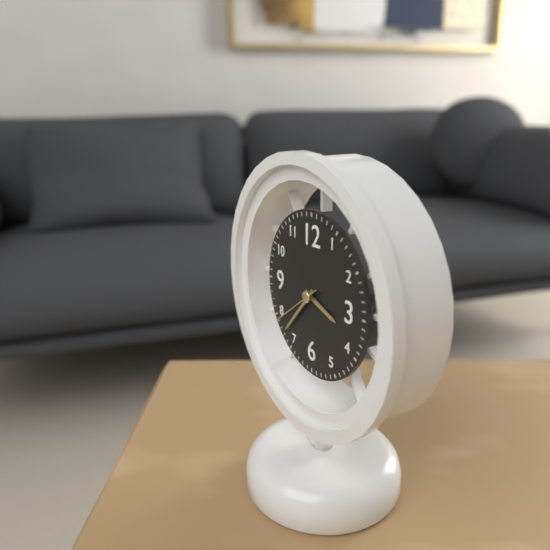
h=3 m=37
